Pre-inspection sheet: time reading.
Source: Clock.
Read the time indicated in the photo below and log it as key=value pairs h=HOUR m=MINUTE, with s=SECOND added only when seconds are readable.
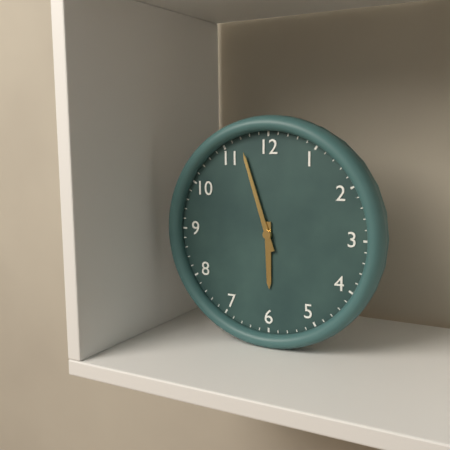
h=5 m=57
